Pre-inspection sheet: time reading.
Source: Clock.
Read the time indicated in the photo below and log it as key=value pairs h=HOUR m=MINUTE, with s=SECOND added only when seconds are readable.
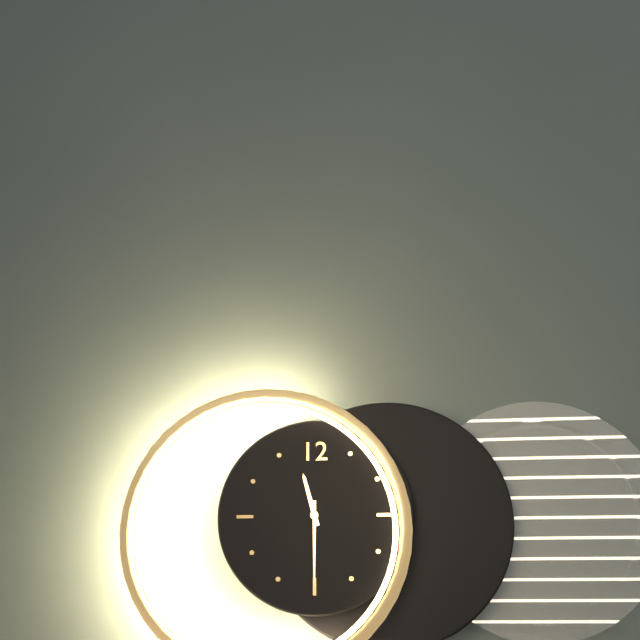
h=11 m=30
